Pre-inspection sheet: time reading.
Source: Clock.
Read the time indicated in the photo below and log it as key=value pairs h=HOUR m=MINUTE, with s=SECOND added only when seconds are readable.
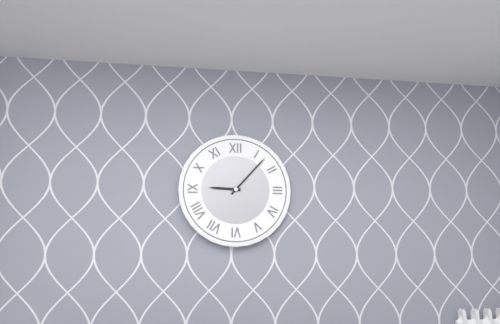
h=9 m=7
